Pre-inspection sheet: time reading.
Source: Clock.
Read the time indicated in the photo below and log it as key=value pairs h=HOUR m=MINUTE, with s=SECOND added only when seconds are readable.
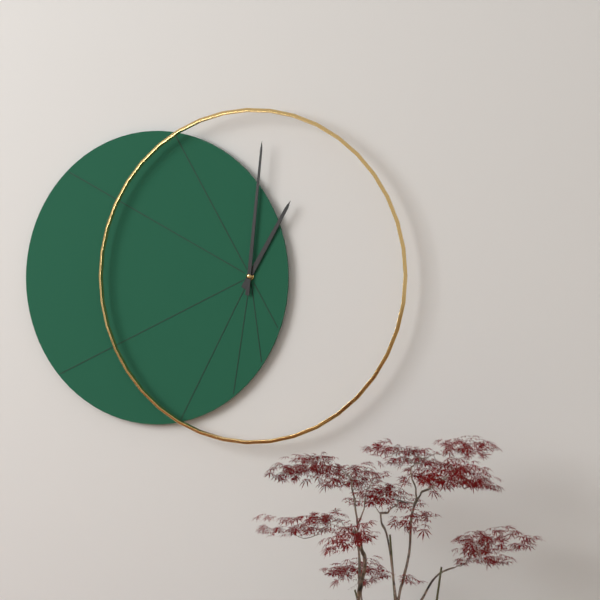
h=1 m=1
